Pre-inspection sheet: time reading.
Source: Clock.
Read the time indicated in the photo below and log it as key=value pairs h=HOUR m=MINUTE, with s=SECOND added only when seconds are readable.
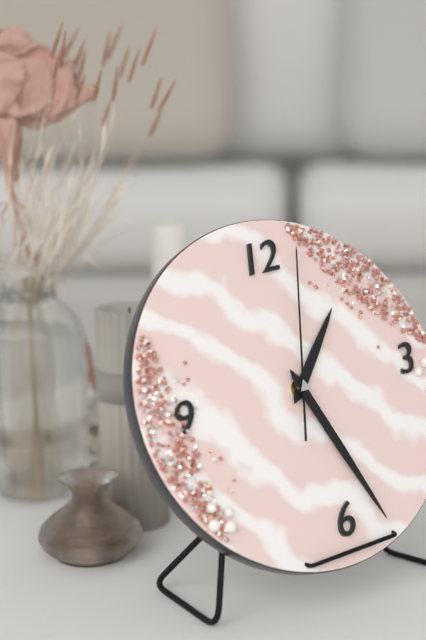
h=1 m=27 s=3
